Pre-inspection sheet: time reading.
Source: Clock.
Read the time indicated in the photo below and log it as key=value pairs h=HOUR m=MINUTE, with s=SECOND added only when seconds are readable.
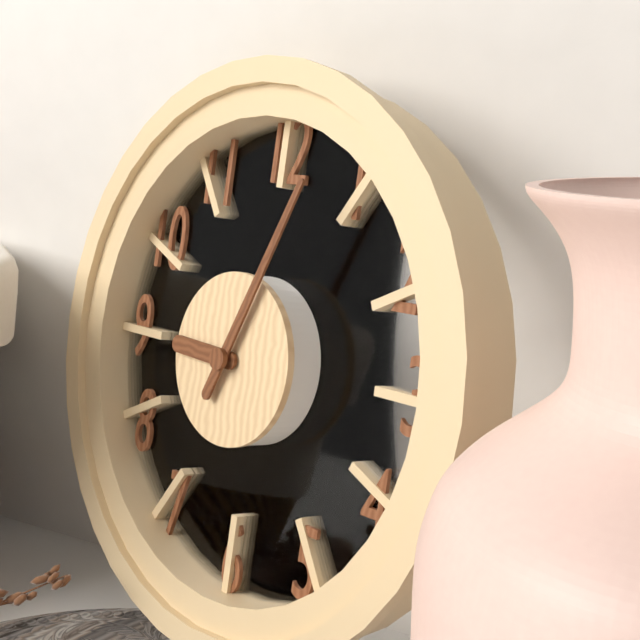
h=9 m=4
